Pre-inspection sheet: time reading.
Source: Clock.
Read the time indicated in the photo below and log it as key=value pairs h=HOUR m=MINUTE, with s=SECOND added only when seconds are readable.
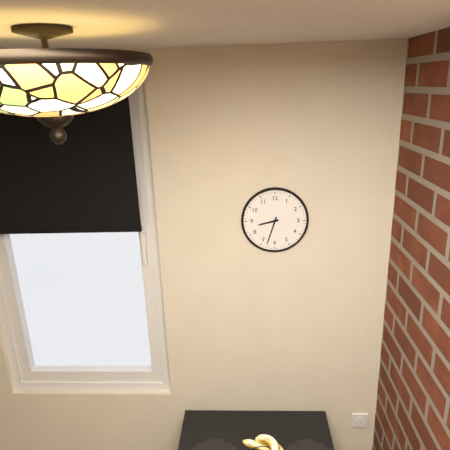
h=8 m=33
